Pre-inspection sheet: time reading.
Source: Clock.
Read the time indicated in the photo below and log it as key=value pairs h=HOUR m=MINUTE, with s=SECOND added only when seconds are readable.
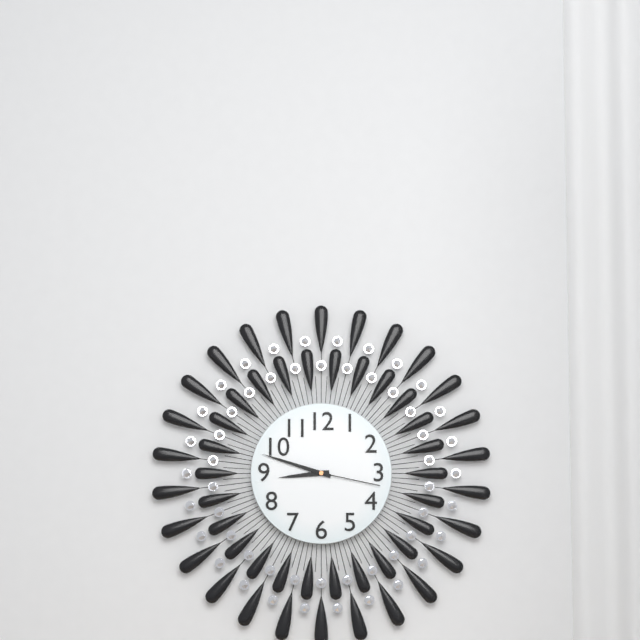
h=8 m=48 s=17
